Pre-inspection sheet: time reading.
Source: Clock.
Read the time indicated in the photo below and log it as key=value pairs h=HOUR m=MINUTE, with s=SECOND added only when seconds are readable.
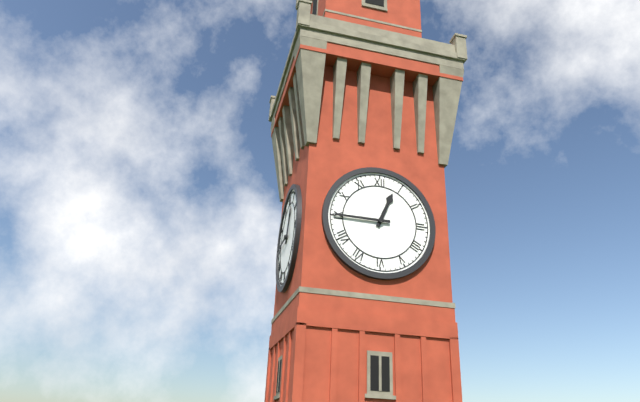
h=12 m=45
